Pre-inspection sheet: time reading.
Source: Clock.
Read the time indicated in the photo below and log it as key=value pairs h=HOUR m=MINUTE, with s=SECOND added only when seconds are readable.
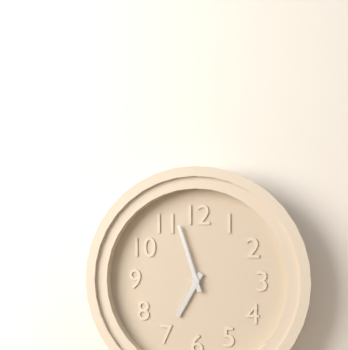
h=6 m=57
